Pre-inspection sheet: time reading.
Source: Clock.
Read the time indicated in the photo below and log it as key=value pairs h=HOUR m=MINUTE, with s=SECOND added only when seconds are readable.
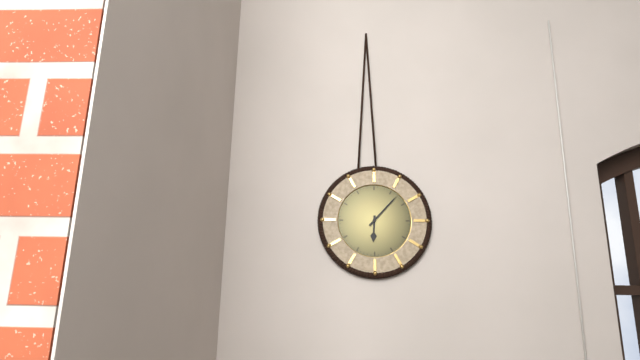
h=6 m=7
